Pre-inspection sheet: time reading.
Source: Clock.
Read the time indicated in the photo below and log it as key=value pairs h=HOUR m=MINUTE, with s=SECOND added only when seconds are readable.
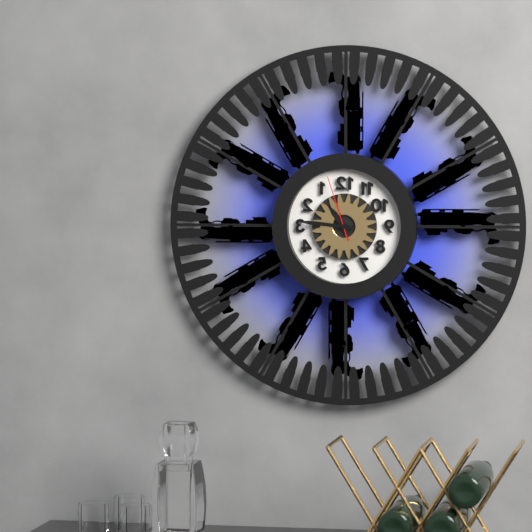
h=10 m=46 s=57
